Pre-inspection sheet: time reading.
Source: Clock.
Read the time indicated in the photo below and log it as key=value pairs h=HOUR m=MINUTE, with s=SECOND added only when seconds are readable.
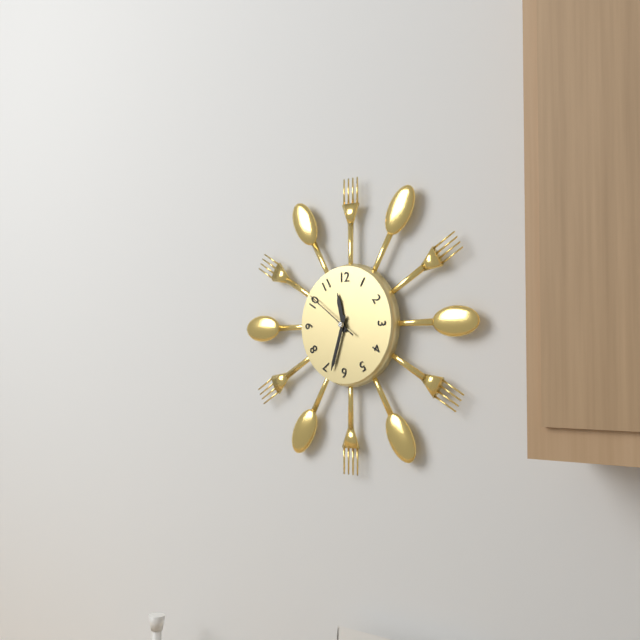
h=11 m=33 s=51
